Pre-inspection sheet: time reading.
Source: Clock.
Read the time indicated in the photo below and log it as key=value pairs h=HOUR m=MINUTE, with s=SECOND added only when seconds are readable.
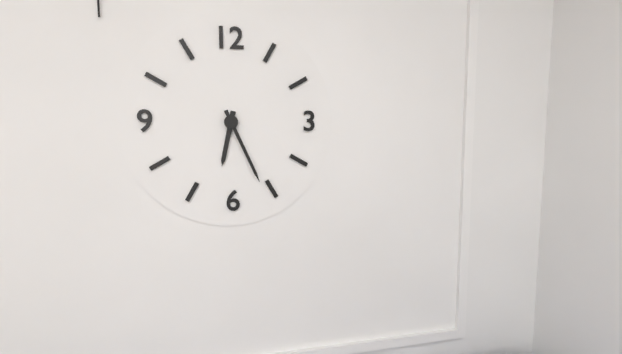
h=6 m=26
